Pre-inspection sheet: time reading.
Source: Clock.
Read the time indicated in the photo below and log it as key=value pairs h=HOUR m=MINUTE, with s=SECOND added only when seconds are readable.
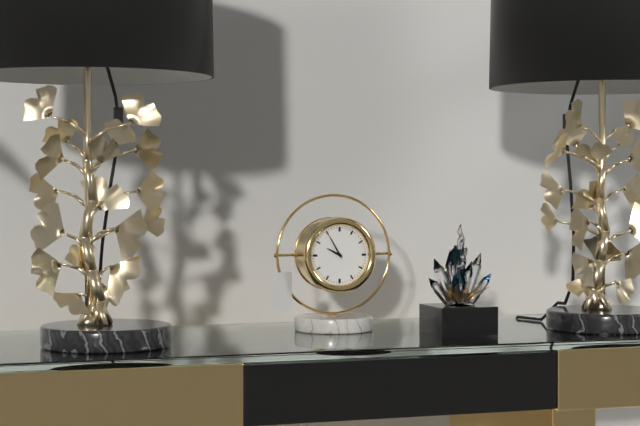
h=9 m=55
